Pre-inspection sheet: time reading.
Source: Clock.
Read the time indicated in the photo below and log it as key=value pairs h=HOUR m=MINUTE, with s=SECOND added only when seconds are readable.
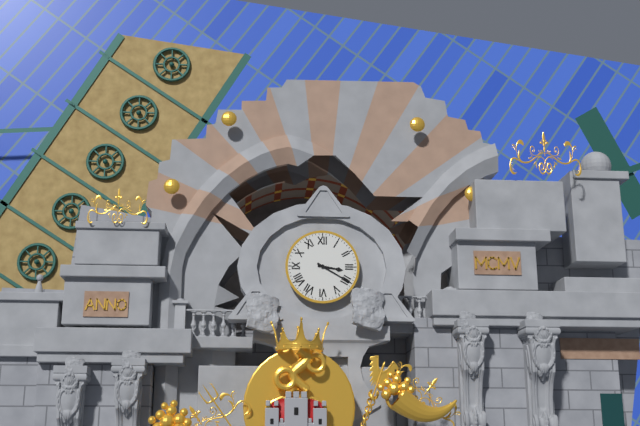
h=3 m=20
